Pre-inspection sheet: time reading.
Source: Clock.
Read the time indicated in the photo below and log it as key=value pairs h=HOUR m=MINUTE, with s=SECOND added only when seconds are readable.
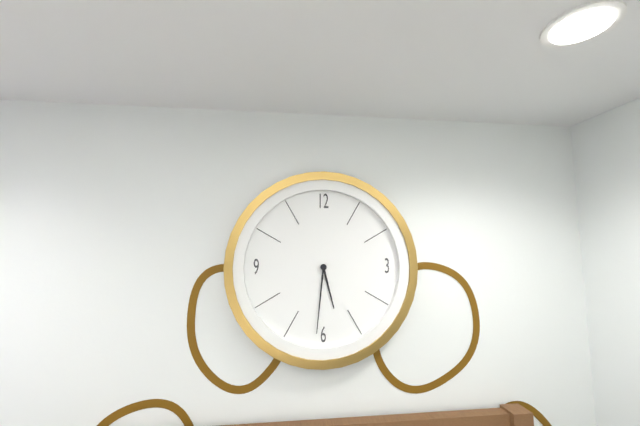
h=5 m=31
